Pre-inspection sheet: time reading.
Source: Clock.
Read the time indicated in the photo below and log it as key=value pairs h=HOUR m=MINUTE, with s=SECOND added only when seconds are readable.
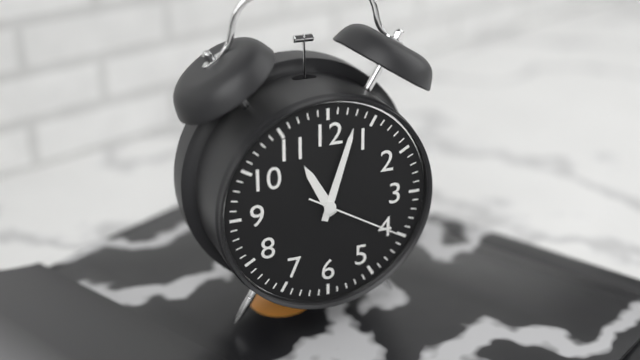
h=11 m=3 s=20
